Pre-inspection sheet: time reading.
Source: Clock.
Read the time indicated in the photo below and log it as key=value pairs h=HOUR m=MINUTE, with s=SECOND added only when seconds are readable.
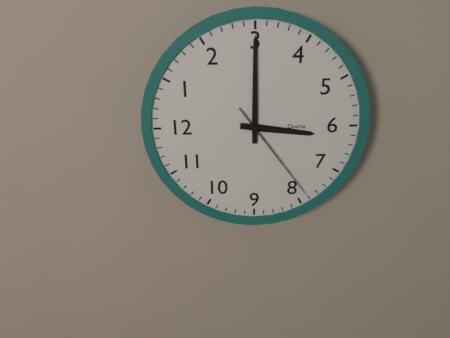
h=6 m=15 s=39
